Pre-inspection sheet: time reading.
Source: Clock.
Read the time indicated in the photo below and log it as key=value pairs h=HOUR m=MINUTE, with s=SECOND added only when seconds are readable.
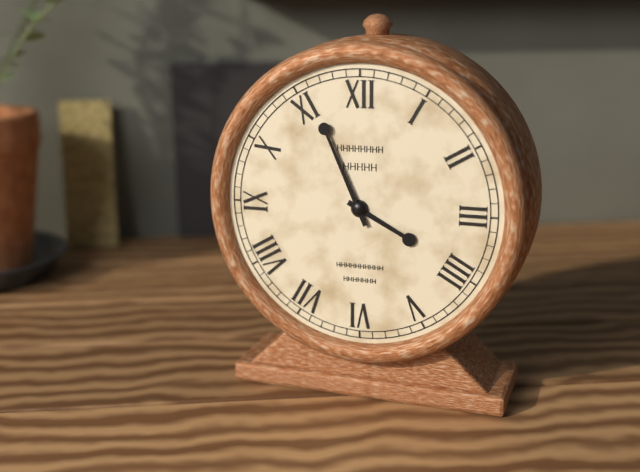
h=3 m=56
